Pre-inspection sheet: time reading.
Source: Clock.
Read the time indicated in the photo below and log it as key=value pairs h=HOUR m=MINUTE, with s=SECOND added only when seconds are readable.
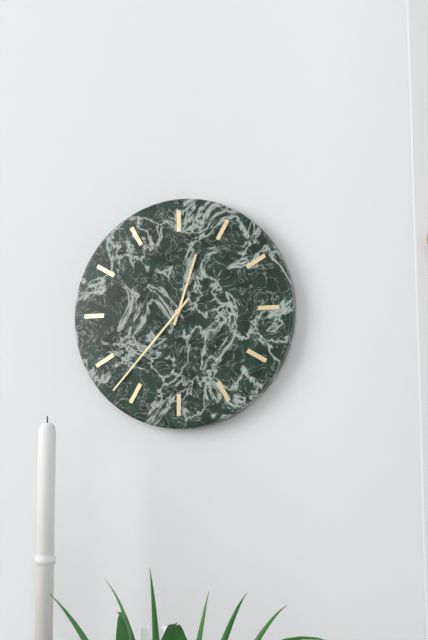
h=12 m=37
